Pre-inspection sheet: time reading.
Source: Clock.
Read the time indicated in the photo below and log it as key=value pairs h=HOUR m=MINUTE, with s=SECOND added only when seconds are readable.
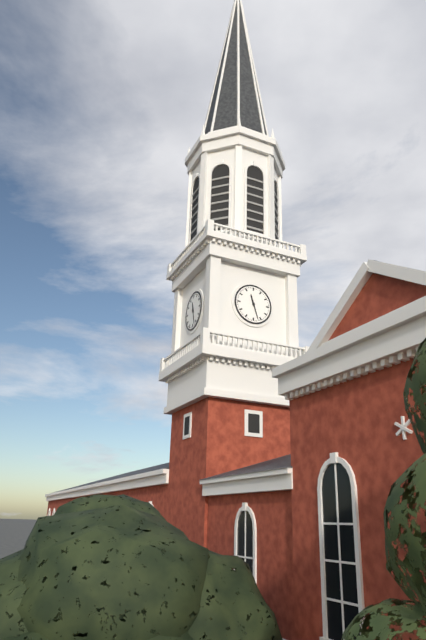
h=11 m=27
